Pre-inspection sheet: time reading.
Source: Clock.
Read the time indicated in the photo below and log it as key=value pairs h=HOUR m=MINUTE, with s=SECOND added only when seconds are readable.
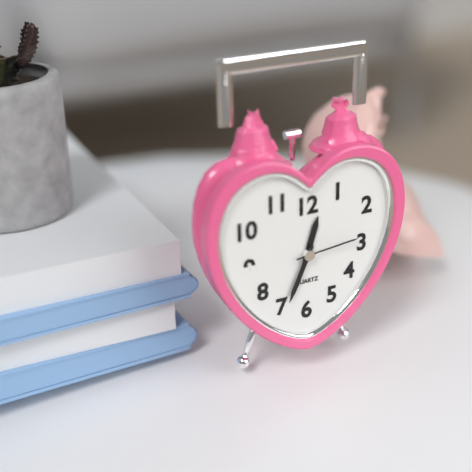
h=12 m=34 s=14
